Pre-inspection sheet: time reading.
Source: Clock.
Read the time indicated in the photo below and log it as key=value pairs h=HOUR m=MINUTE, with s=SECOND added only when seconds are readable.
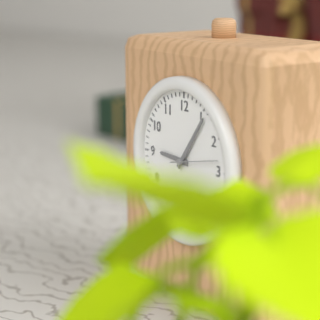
h=9 m=6
